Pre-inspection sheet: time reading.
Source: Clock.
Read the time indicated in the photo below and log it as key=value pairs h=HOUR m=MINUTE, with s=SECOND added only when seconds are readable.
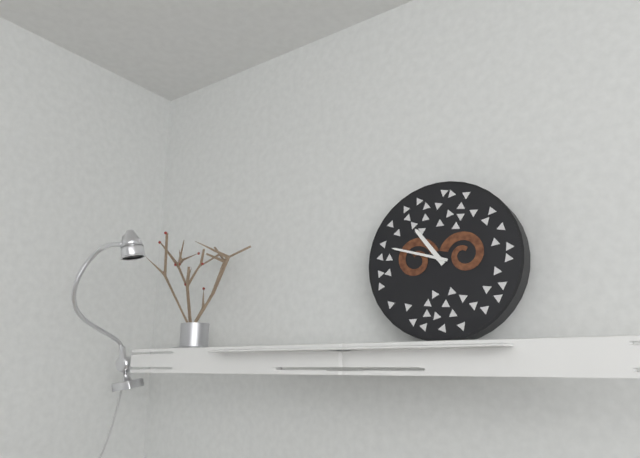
h=10 m=48
